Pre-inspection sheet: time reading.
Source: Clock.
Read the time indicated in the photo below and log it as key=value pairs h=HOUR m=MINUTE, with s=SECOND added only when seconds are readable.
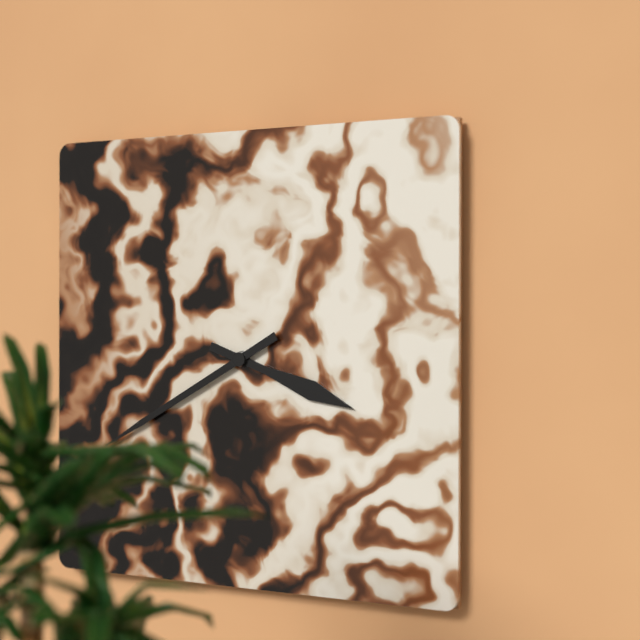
h=3 m=40
